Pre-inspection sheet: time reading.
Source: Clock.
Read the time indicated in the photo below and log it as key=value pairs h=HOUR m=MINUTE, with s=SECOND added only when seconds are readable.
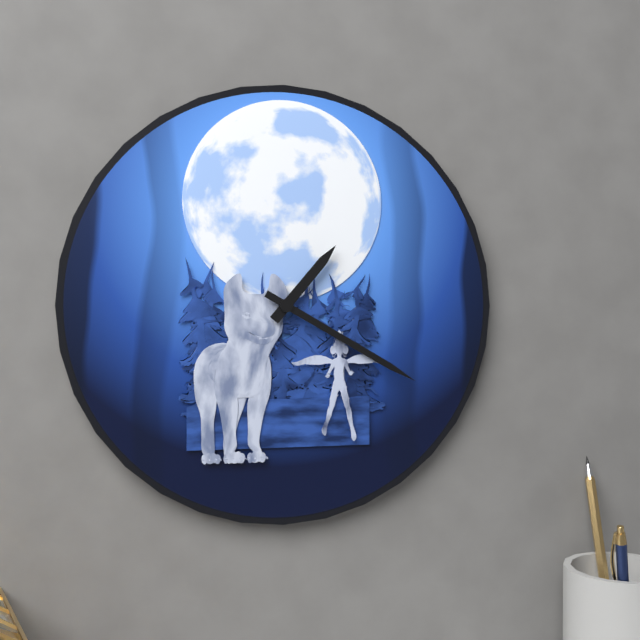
h=1 m=20
